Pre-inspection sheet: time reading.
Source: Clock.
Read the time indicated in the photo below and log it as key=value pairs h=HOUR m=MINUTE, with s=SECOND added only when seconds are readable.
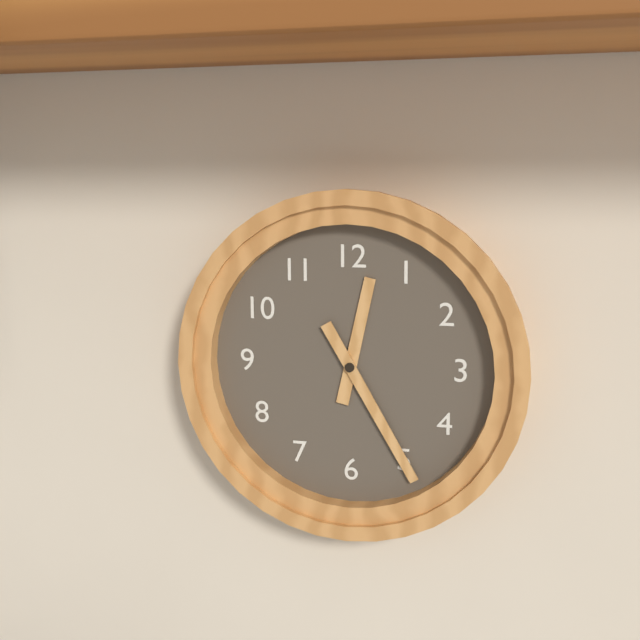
h=12 m=25
